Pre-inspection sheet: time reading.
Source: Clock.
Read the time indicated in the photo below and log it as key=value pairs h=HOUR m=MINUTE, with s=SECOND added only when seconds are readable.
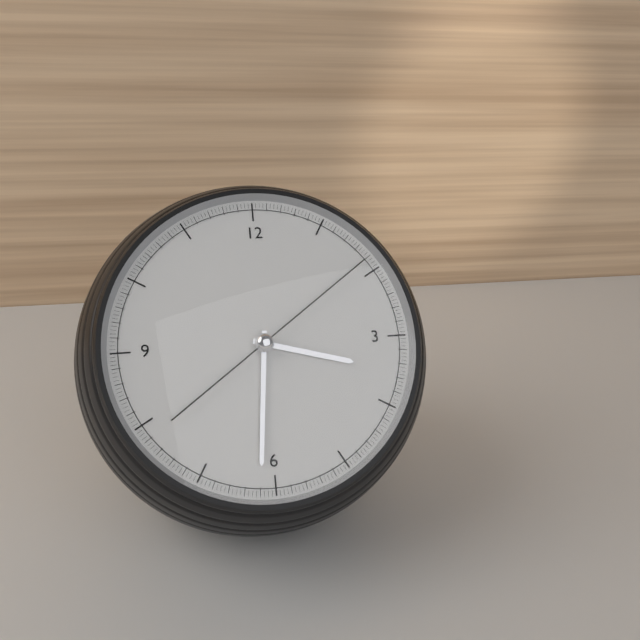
h=3 m=31 s=9
